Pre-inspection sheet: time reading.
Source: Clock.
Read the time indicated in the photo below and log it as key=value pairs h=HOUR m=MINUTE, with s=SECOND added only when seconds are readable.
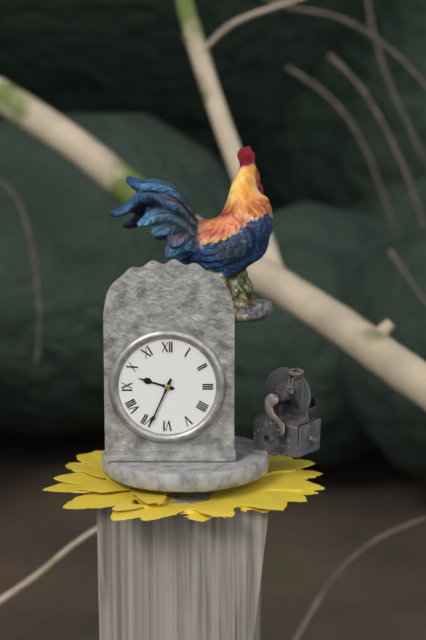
h=9 m=34
